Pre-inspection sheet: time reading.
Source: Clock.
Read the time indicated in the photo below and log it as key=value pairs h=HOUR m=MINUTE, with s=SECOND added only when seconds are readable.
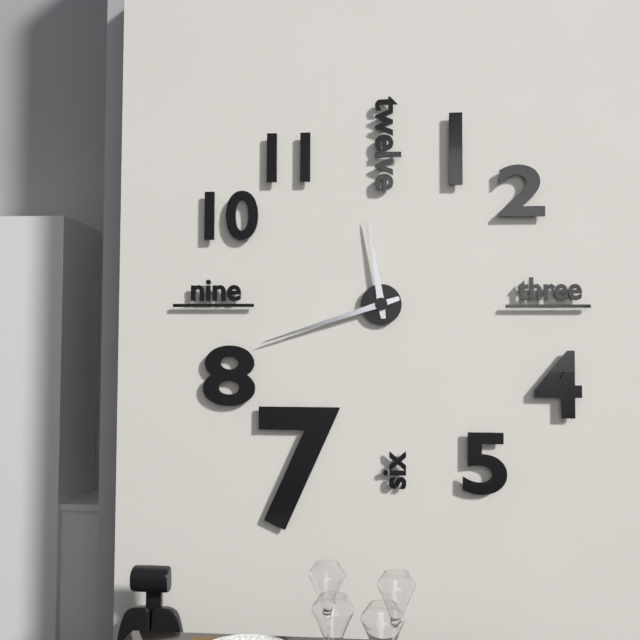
h=11 m=42
